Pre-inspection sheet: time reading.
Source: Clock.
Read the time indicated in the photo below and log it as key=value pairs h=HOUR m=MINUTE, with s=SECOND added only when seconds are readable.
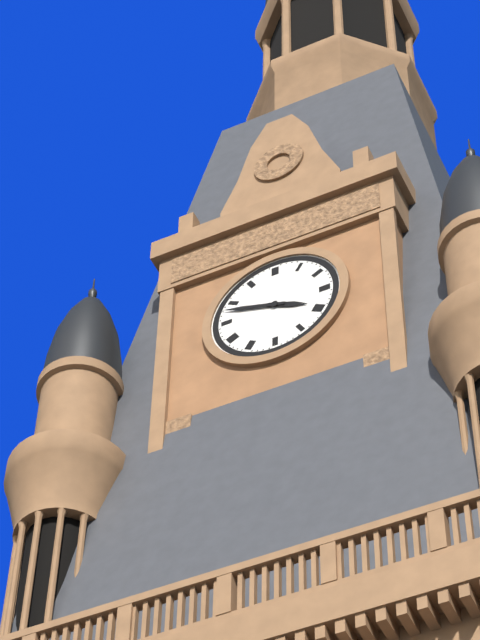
h=3 m=48
